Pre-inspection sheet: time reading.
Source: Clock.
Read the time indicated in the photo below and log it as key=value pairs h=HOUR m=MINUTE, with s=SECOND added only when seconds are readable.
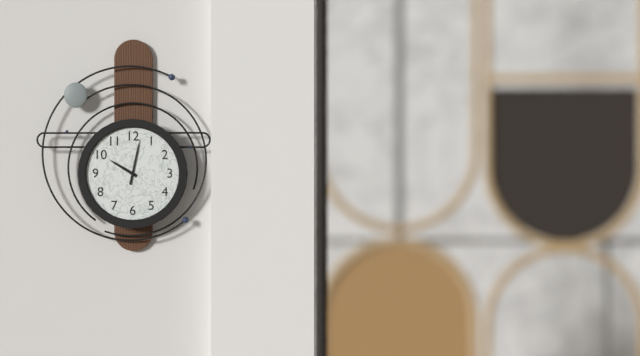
h=10 m=2
